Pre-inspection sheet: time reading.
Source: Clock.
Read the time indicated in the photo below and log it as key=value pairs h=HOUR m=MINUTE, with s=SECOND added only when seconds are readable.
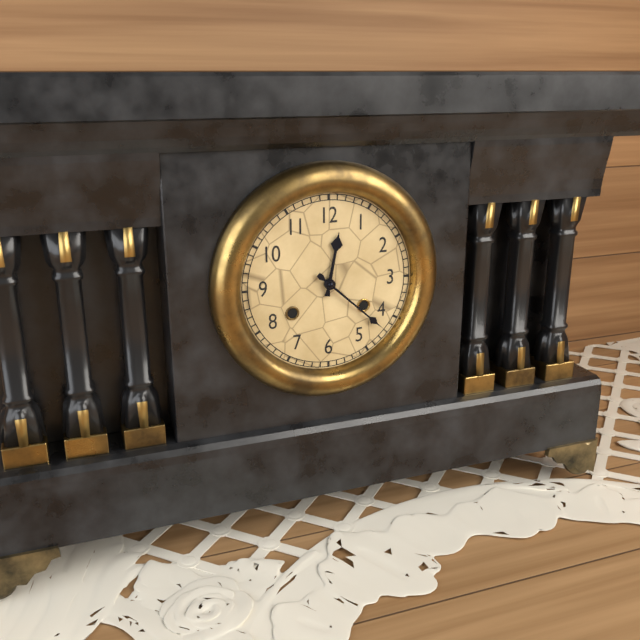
h=12 m=22
